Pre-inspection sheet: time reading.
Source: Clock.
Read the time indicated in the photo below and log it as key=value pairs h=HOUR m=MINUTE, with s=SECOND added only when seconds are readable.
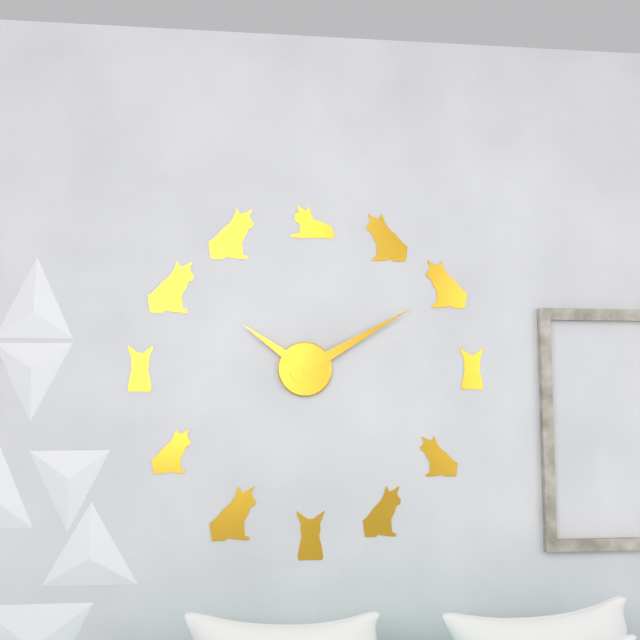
h=10 m=10
